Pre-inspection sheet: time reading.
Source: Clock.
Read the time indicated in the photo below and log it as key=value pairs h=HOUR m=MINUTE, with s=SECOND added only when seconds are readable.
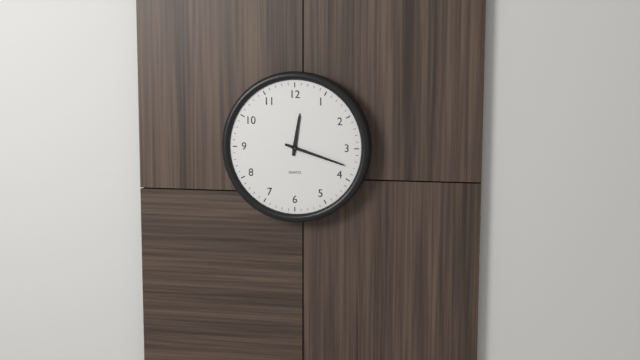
h=12 m=18
